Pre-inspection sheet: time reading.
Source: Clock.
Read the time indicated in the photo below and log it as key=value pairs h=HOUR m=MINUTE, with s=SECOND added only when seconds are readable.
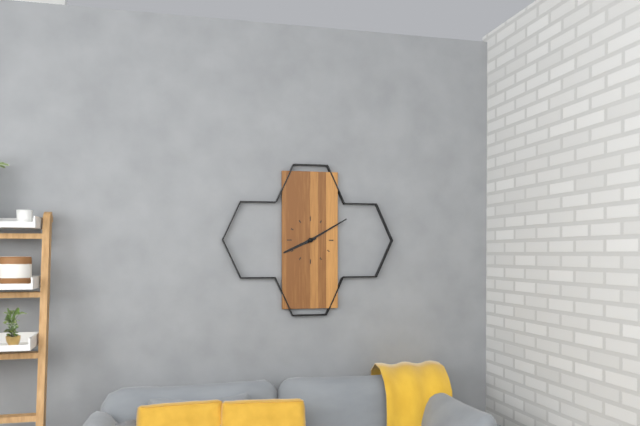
h=8 m=10
